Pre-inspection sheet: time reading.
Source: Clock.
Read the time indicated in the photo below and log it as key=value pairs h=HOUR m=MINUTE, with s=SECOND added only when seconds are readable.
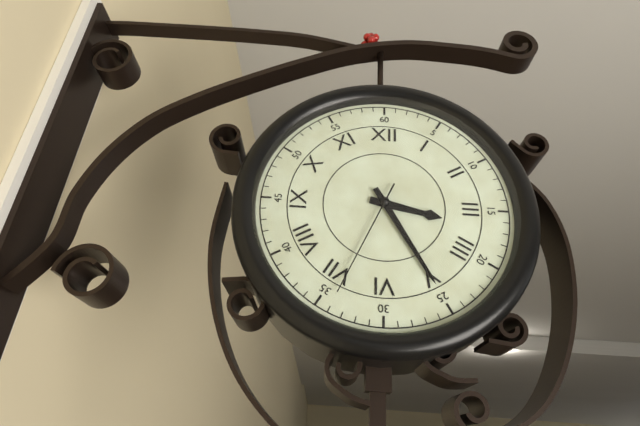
h=3 m=25 s=34
